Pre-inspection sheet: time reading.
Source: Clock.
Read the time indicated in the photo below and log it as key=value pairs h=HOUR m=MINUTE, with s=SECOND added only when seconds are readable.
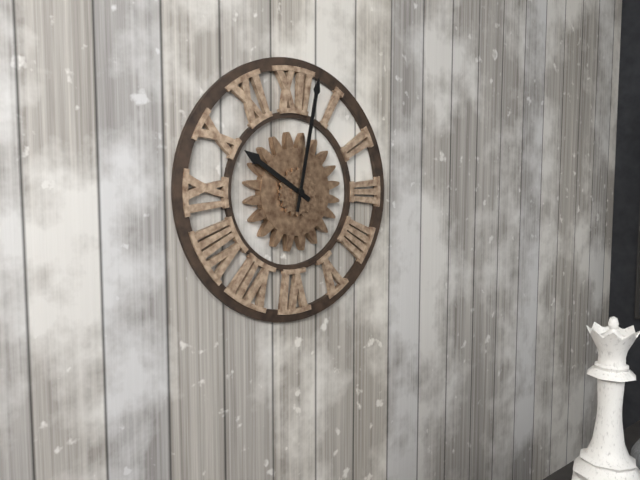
h=10 m=2
